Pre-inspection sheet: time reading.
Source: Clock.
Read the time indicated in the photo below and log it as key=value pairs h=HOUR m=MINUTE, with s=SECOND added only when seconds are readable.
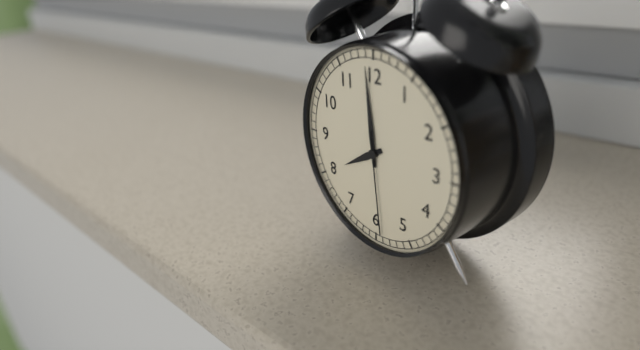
h=7 m=59 s=29
